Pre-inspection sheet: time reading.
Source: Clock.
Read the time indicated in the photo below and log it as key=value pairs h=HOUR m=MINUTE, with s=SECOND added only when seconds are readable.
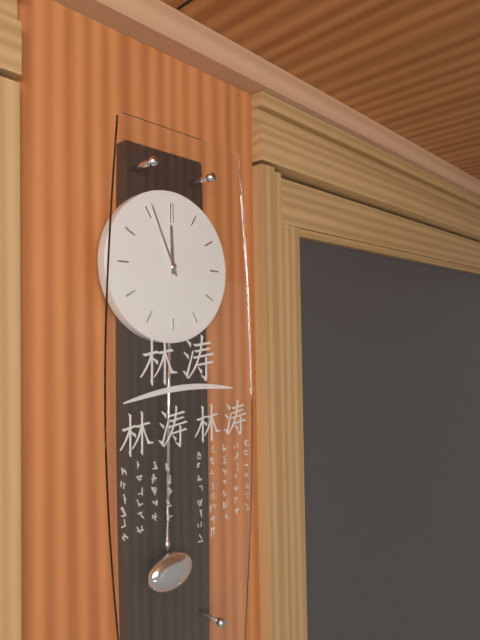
h=11 m=56
